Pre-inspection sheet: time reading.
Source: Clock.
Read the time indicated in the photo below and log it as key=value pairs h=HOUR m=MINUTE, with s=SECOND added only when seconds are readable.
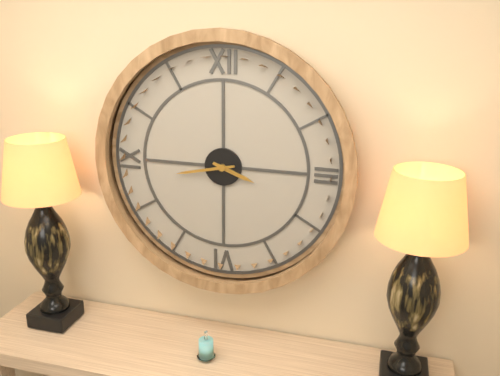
h=3 m=43
